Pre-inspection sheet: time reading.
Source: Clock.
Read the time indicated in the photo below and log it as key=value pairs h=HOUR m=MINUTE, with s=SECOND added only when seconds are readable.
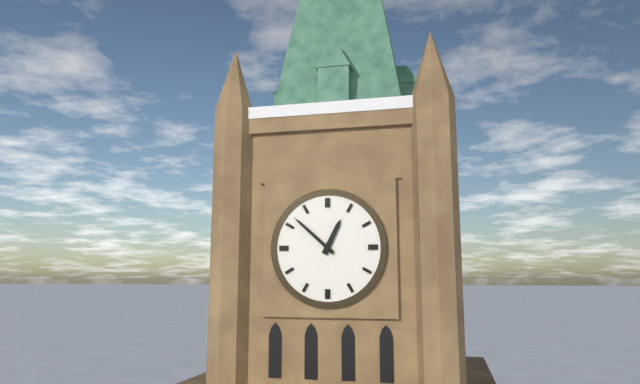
h=12 m=52
